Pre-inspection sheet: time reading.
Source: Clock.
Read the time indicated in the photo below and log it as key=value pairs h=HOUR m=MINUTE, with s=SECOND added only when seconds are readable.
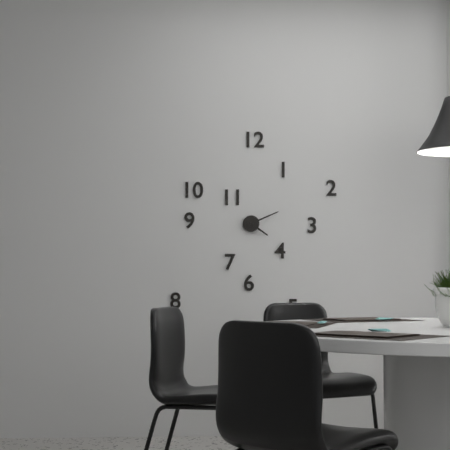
h=4 m=11
